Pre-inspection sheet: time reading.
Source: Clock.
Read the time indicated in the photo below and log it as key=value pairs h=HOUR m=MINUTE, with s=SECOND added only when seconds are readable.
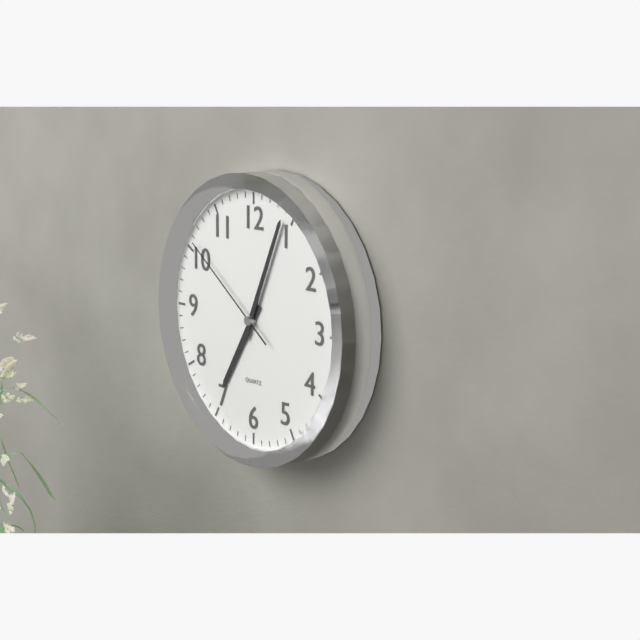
h=7 m=4 s=51
